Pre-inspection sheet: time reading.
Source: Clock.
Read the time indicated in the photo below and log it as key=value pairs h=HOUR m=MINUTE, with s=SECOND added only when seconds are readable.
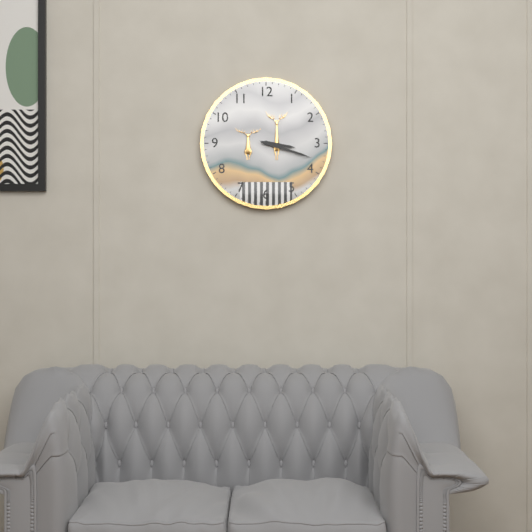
h=3 m=18
